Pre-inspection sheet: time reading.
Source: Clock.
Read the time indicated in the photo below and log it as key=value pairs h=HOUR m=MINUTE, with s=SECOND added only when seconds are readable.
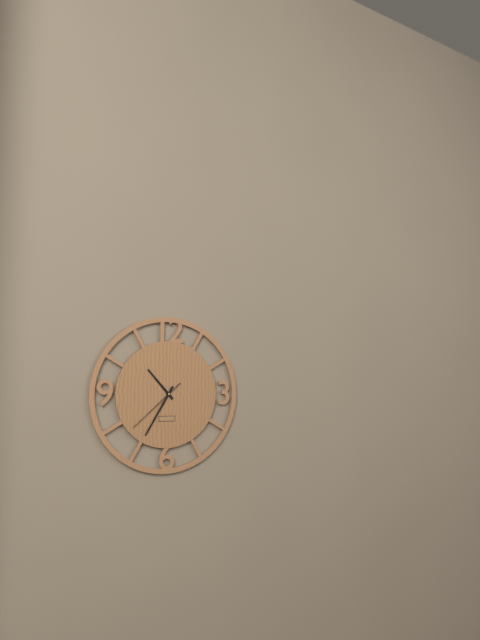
h=10 m=35 s=38
